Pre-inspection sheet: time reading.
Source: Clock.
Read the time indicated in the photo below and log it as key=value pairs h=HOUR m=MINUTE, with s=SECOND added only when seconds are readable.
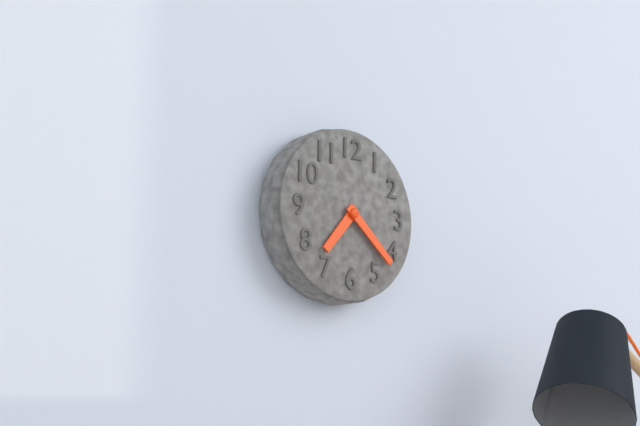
h=7 m=22
